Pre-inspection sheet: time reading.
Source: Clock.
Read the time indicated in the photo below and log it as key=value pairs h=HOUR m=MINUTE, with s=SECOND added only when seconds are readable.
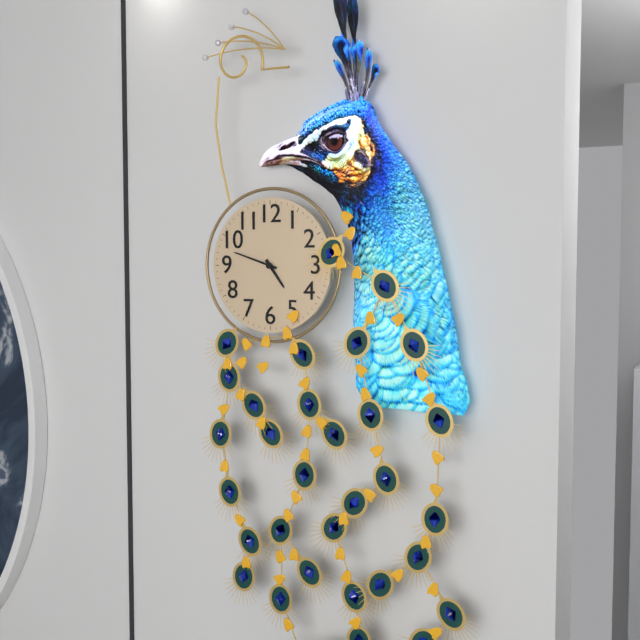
h=4 m=48
